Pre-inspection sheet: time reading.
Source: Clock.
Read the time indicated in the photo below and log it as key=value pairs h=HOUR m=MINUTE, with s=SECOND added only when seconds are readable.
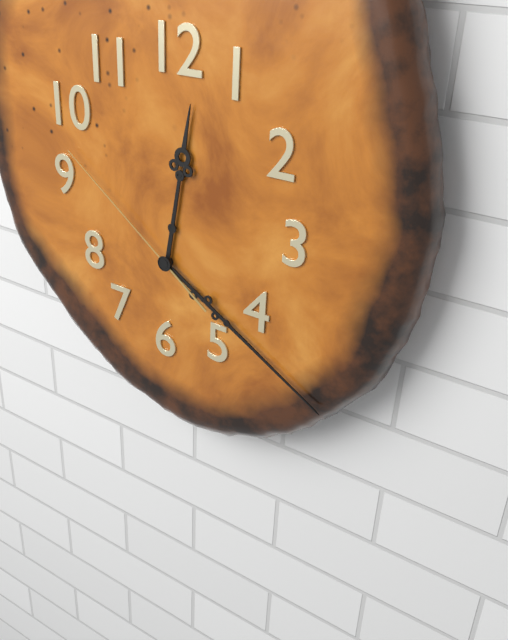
h=12 m=20 s=51
